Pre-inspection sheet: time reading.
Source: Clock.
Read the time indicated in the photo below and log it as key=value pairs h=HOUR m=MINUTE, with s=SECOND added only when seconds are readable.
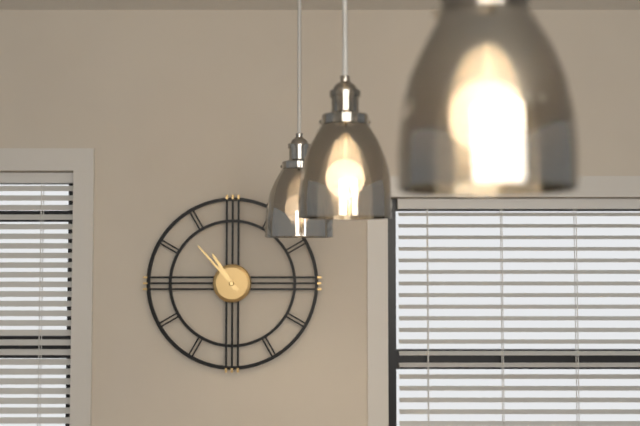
h=10 m=53
